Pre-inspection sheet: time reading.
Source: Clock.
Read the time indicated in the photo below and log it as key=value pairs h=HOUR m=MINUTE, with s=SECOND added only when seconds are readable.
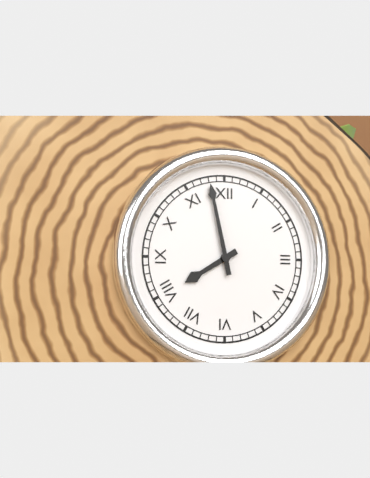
h=7 m=58
